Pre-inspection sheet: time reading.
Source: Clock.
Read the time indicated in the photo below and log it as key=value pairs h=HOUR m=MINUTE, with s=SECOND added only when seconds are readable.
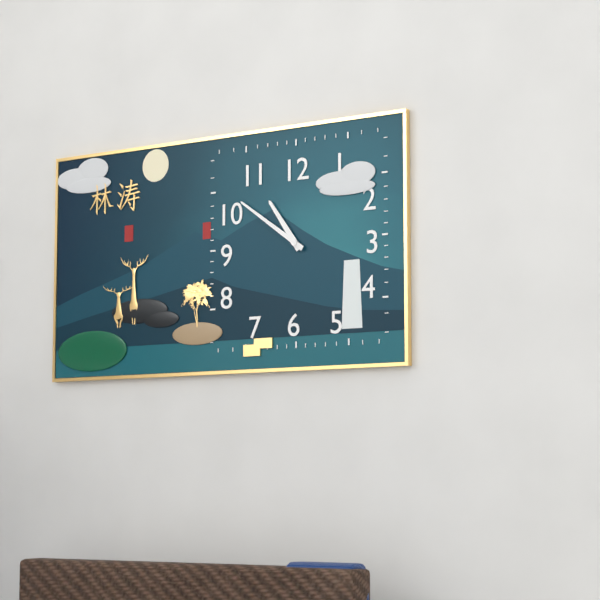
h=10 m=51
